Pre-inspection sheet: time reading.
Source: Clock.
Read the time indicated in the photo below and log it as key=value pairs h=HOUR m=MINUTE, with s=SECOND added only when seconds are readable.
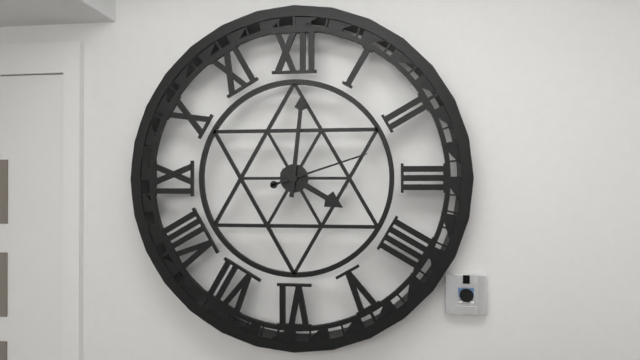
h=4 m=1 s=12
